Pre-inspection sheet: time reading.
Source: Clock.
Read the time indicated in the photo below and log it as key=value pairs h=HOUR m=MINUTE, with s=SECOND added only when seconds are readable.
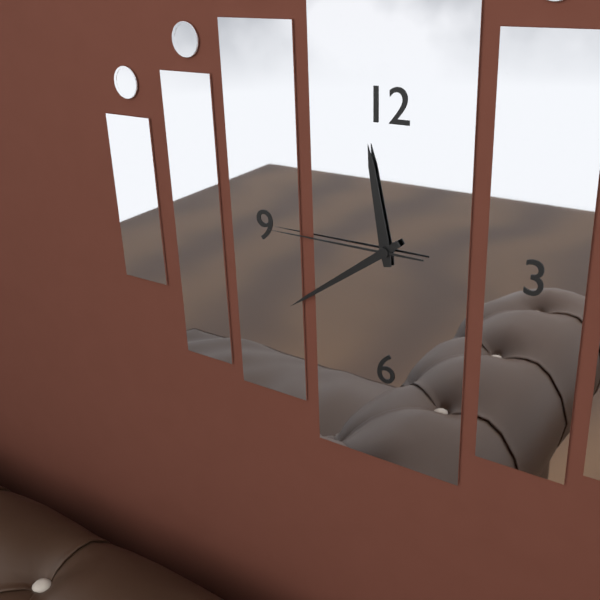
h=11 m=39 s=45
